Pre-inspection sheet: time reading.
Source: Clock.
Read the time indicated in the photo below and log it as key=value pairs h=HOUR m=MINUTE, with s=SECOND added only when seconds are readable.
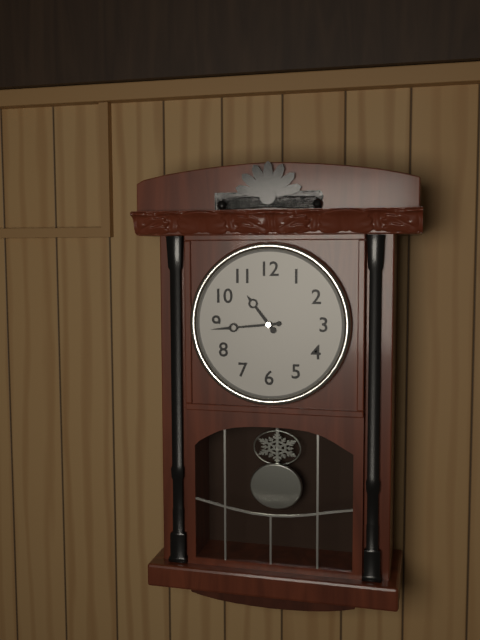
h=10 m=44
